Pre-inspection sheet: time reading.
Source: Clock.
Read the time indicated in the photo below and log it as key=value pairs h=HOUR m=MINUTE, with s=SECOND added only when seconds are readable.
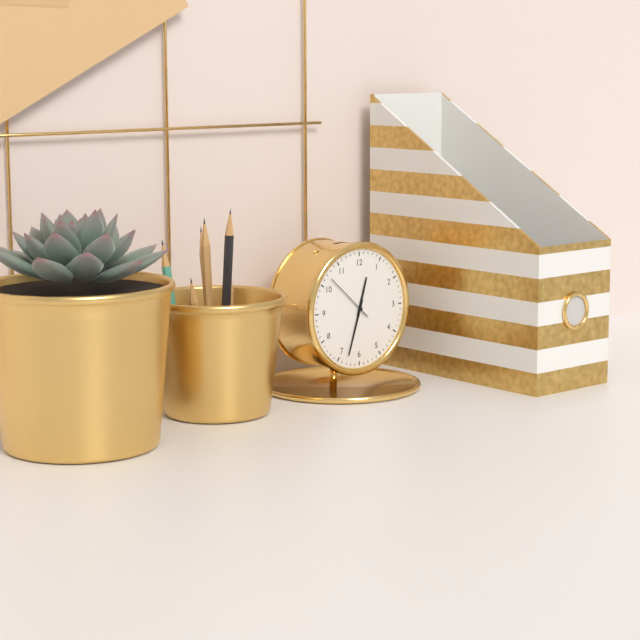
h=12 m=33 s=52
